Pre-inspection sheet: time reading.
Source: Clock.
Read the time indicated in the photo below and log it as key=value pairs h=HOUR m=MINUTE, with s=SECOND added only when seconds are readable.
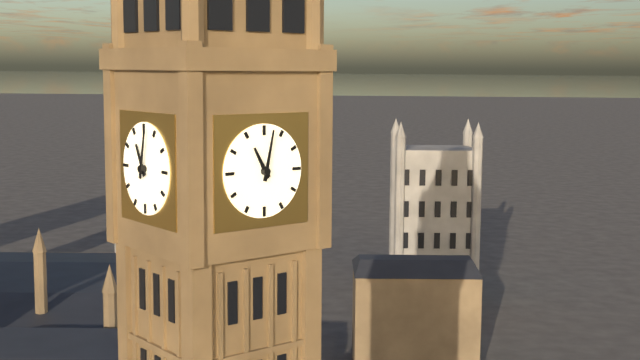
h=11 m=2
